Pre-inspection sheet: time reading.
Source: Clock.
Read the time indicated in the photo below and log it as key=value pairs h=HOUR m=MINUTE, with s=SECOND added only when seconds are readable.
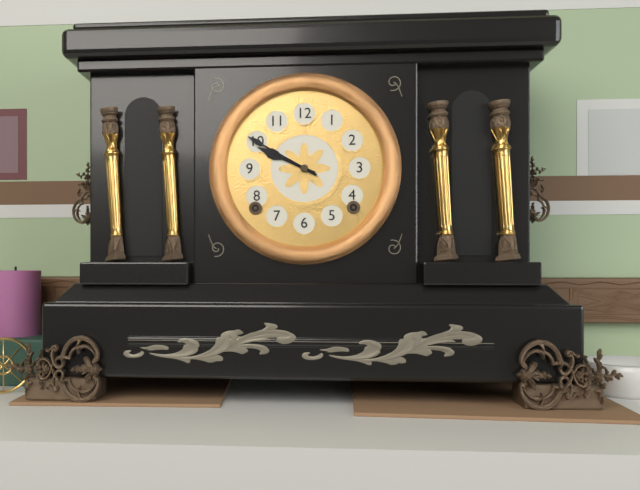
h=9 m=50
